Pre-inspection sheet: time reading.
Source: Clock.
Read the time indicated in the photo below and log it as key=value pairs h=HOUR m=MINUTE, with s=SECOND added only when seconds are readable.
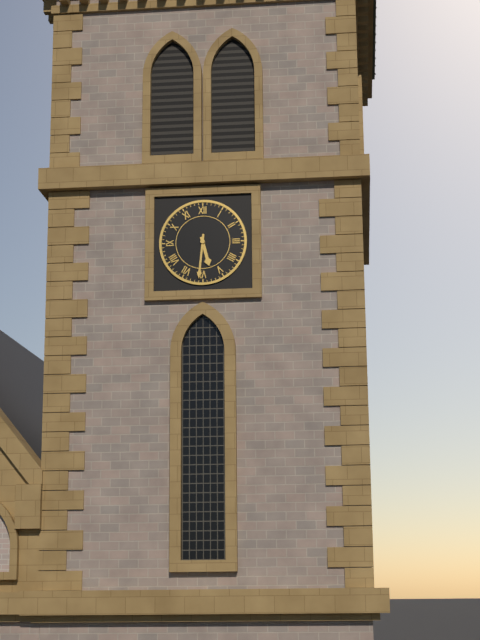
h=5 m=31
